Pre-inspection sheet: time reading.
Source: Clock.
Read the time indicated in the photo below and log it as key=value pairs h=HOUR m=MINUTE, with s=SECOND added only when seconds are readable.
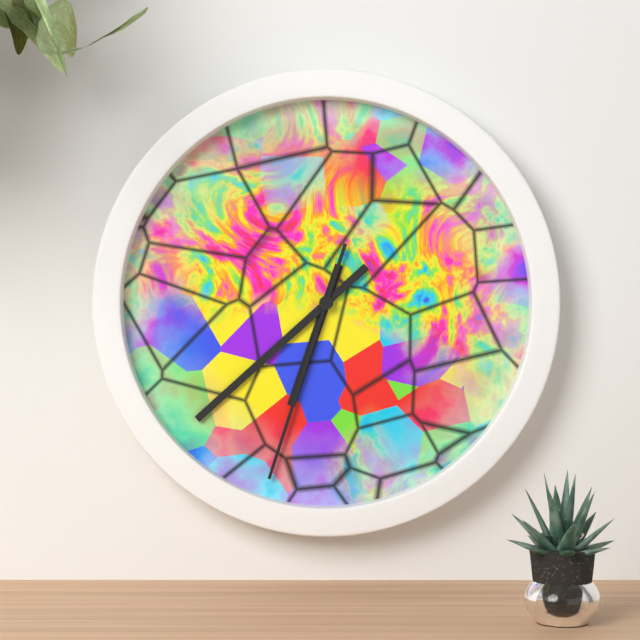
h=6 m=38 s=33
